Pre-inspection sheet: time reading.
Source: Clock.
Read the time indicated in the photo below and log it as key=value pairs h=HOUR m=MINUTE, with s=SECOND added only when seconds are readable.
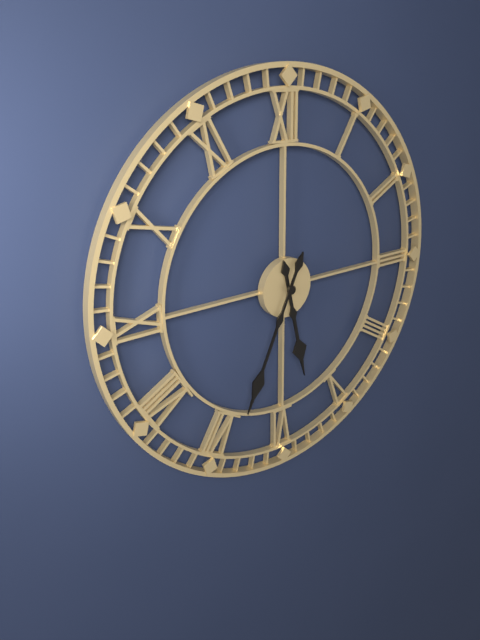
h=5 m=34
